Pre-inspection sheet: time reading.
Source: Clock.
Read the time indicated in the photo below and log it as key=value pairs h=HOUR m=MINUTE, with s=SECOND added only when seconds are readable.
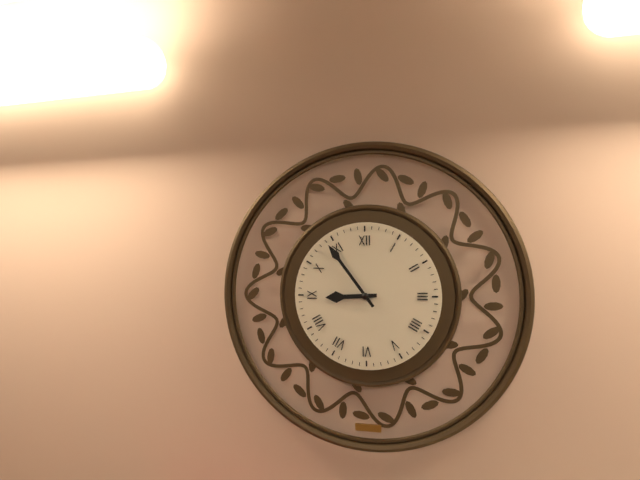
h=8 m=54
